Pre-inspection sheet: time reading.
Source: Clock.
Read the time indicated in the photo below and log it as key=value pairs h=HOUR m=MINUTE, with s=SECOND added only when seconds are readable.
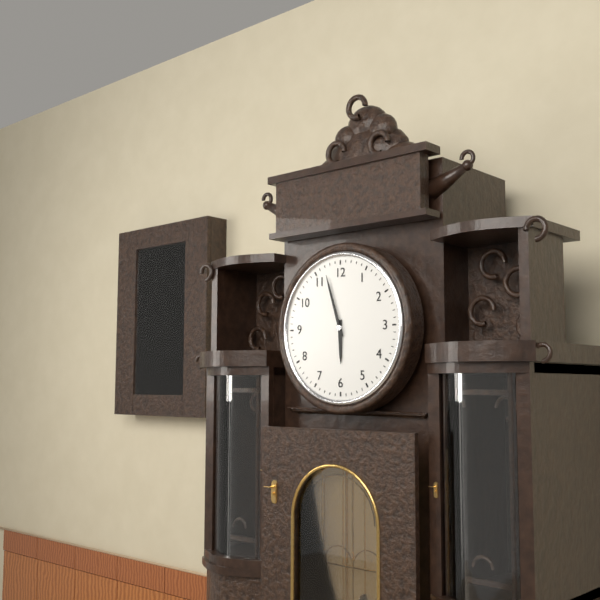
h=5 m=57
